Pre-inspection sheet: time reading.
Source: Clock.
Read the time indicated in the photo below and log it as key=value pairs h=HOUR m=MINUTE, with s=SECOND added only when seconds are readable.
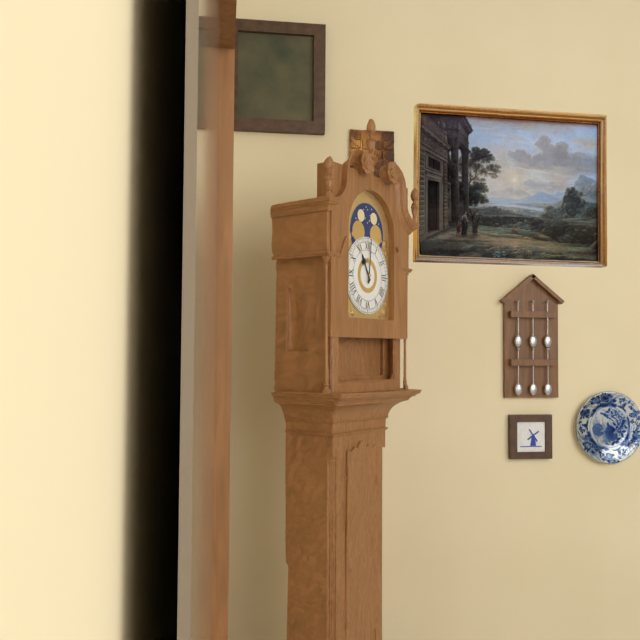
h=11 m=1
